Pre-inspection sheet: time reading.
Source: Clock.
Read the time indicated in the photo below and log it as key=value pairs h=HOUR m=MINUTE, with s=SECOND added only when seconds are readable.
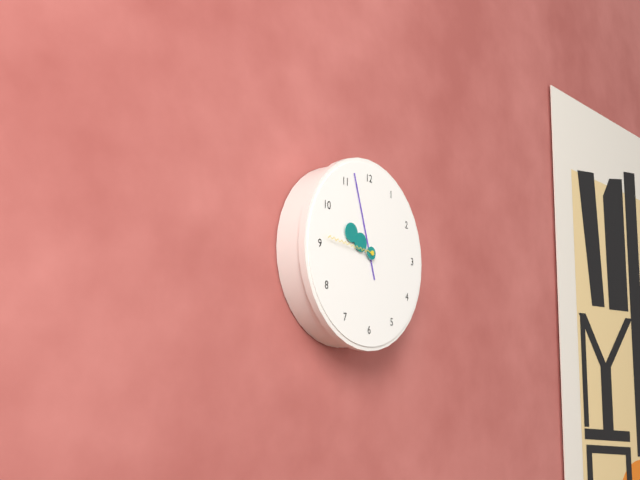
h=9 m=57 s=46
